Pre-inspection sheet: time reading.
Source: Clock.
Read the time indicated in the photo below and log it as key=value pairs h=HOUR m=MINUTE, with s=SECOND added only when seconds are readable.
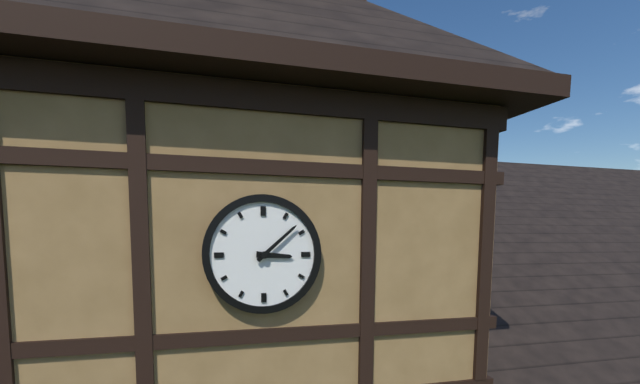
h=3 m=8
